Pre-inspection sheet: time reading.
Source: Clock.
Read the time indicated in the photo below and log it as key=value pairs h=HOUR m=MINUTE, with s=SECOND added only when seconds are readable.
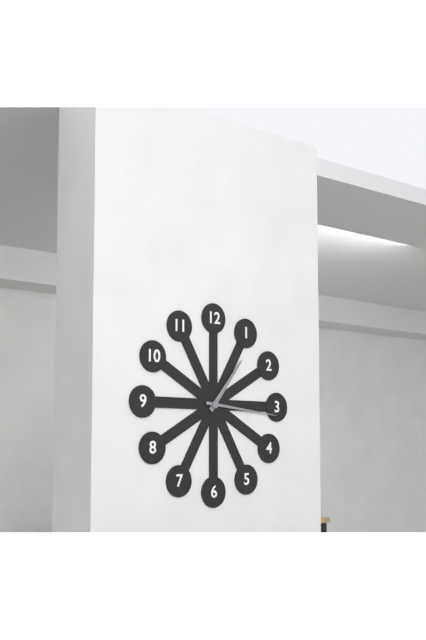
h=1 m=16
